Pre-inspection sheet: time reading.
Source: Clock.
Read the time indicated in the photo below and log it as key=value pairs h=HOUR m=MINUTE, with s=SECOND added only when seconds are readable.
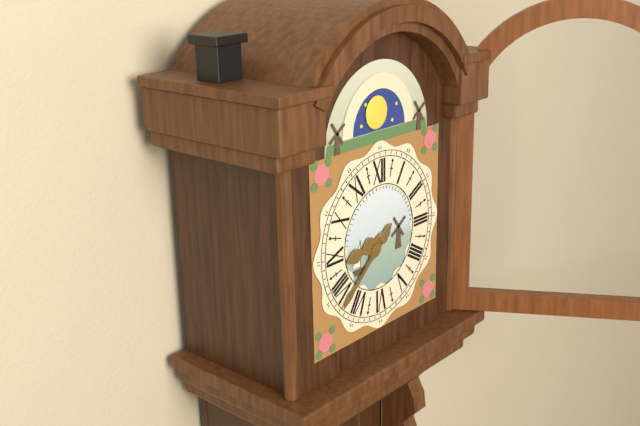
h=8 m=38
